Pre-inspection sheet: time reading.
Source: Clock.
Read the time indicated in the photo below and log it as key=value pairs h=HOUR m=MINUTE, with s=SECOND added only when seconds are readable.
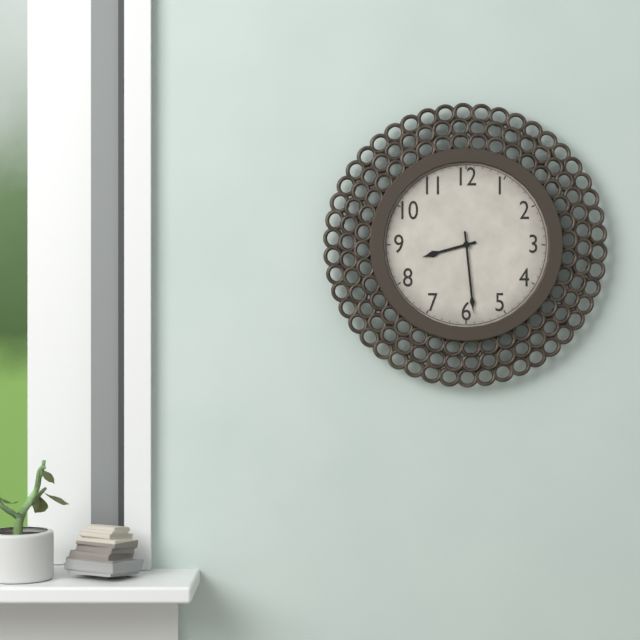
h=8 m=29
